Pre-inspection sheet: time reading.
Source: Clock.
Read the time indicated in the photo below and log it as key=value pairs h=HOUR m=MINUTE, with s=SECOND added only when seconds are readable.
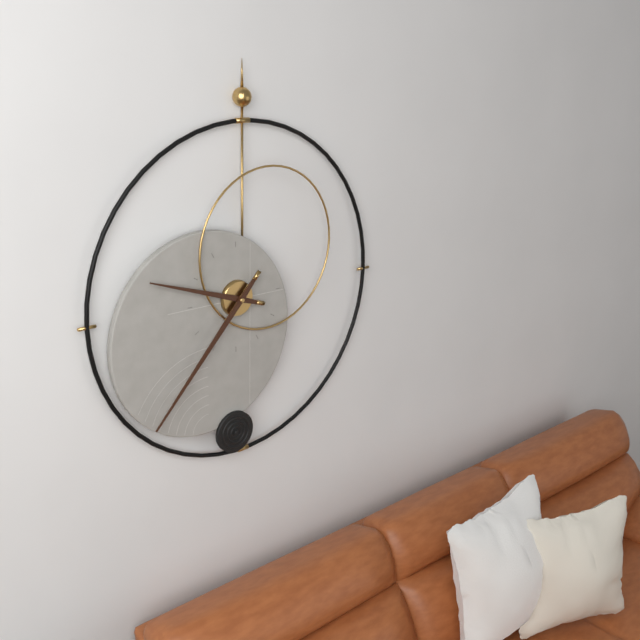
h=9 m=37
